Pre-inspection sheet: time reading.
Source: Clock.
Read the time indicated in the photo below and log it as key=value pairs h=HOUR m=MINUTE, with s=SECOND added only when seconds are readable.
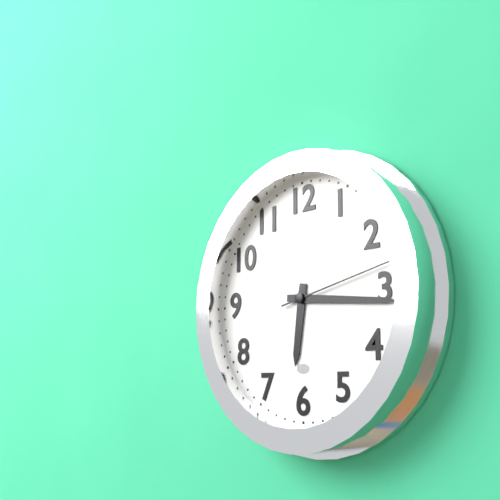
h=6 m=16 s=13
